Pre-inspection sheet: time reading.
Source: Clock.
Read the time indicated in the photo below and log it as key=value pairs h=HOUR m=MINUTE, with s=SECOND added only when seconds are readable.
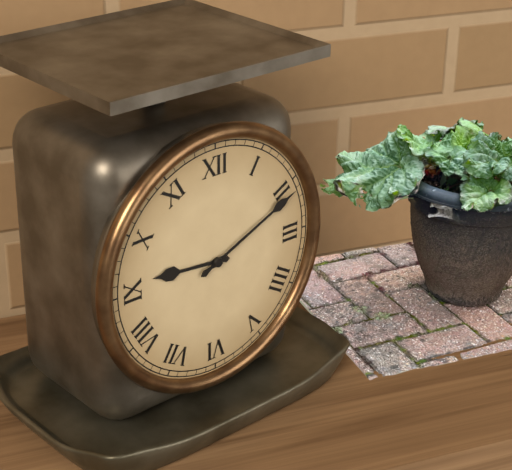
h=9 m=11
